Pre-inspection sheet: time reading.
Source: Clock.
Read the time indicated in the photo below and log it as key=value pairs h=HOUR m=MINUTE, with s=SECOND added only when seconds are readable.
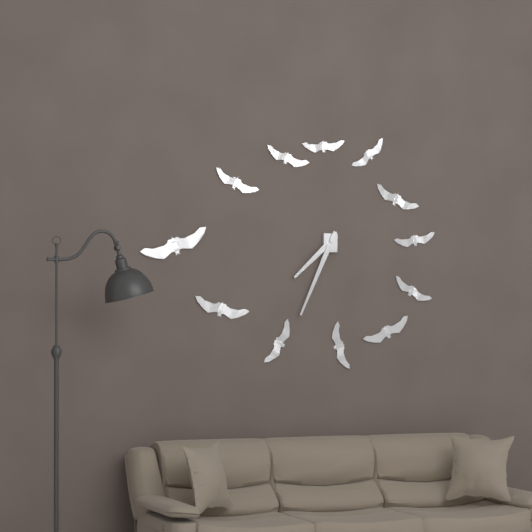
h=7 m=34
